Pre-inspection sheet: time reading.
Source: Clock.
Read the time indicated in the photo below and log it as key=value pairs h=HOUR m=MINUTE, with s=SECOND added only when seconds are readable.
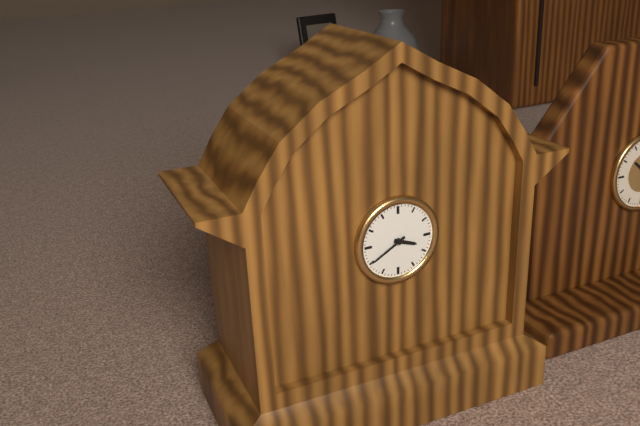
h=3 m=40
